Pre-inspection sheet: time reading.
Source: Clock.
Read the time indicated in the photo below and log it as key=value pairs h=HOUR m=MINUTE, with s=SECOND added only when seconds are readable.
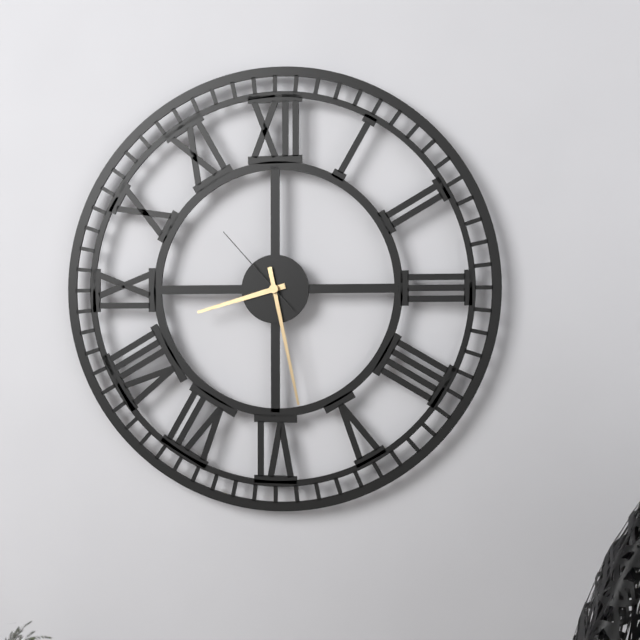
h=8 m=28 s=53
